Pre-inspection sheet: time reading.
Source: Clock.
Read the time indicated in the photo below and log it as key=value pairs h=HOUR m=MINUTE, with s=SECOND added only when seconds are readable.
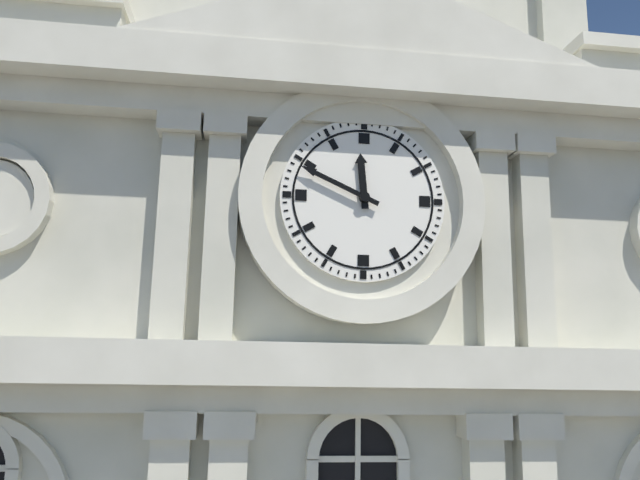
h=11 m=49
